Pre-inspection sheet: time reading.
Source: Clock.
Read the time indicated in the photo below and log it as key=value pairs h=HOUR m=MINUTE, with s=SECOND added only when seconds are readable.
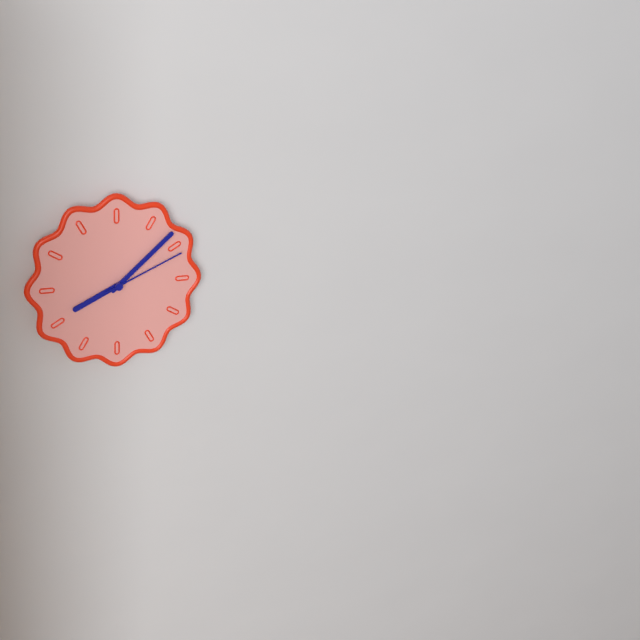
h=8 m=8 s=11
